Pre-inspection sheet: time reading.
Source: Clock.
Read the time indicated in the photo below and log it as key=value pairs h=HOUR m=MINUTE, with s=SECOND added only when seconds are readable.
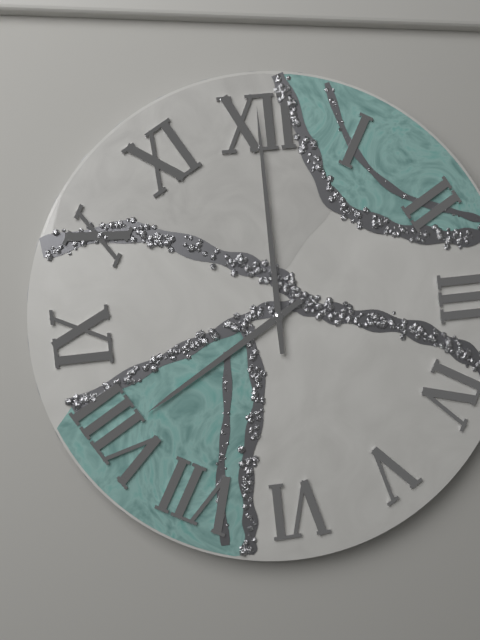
h=8 m=0
